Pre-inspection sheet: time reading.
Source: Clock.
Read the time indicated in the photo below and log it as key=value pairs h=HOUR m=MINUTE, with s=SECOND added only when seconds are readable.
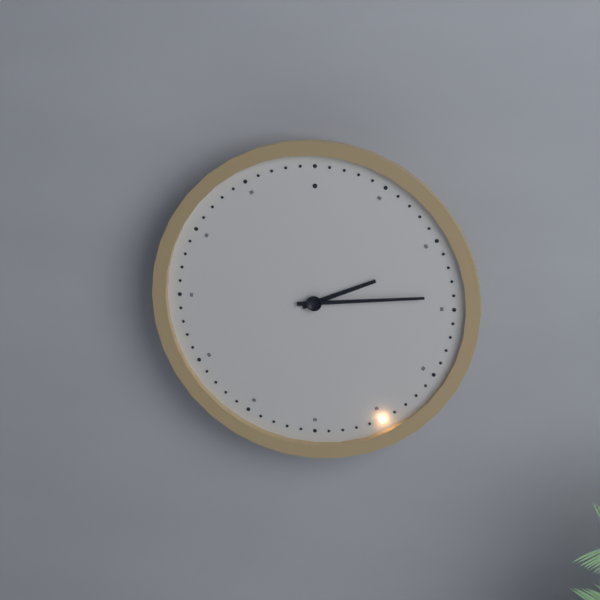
h=2 m=14
